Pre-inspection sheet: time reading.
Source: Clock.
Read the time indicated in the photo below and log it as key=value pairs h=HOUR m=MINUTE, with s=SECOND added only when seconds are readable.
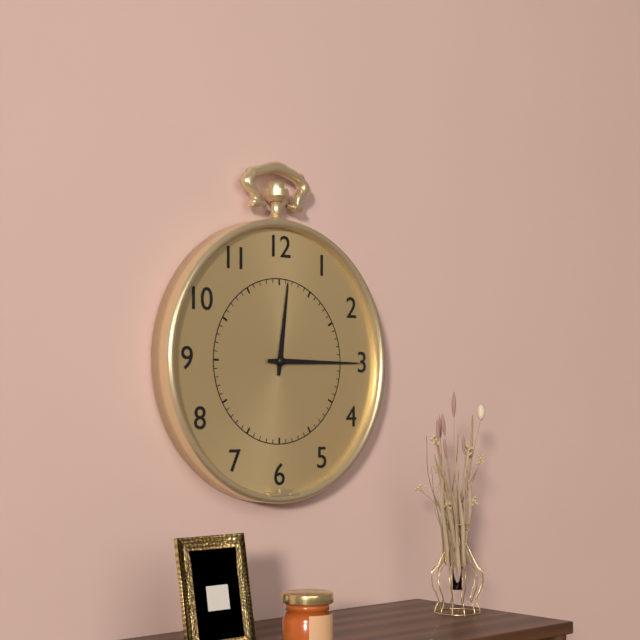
h=12 m=15
